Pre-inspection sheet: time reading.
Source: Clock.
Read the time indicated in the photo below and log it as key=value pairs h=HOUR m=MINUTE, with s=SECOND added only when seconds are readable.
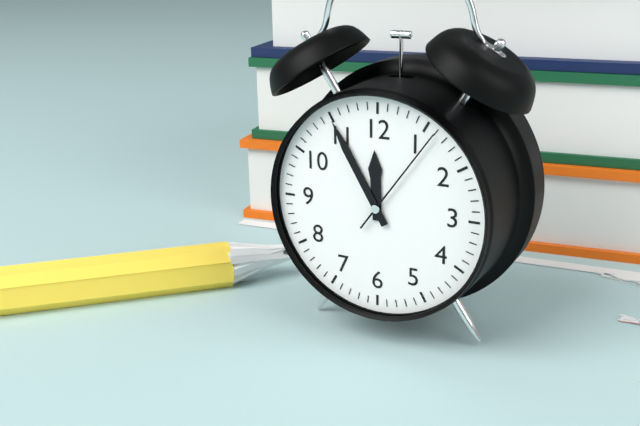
h=11 m=55 s=6
